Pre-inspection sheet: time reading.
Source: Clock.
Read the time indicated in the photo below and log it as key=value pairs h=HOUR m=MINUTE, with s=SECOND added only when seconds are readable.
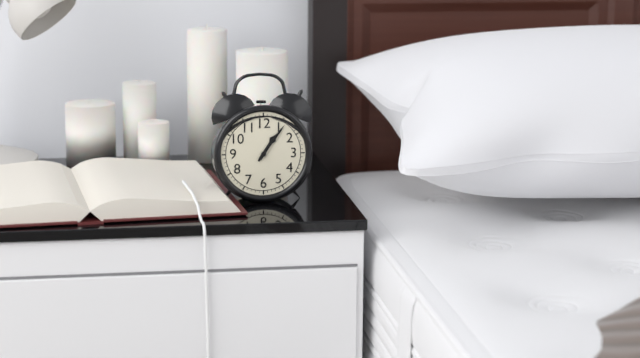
h=1 m=6
